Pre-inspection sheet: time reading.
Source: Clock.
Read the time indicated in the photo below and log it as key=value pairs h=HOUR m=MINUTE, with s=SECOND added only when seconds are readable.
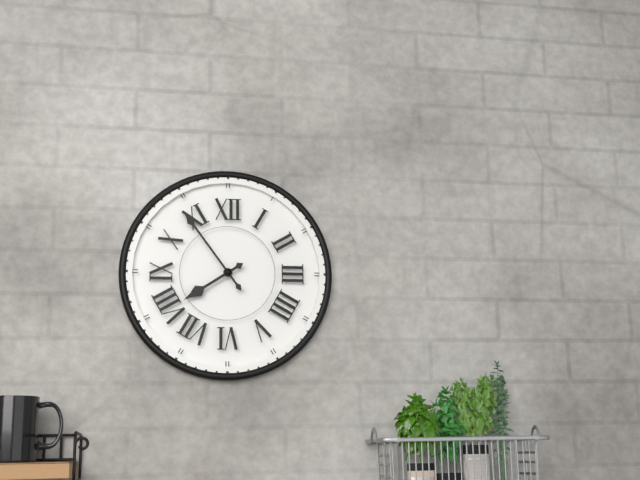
h=7 m=54
